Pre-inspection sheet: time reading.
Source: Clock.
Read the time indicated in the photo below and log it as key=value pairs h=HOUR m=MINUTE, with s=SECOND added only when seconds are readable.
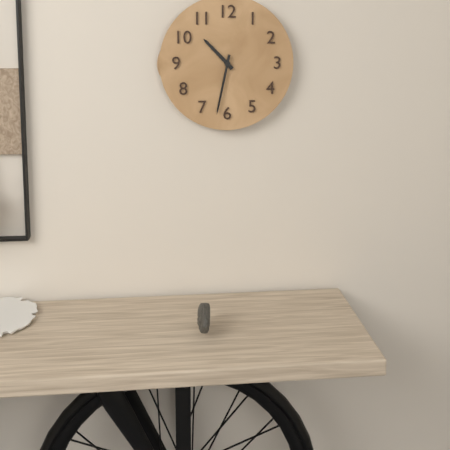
h=10 m=32
